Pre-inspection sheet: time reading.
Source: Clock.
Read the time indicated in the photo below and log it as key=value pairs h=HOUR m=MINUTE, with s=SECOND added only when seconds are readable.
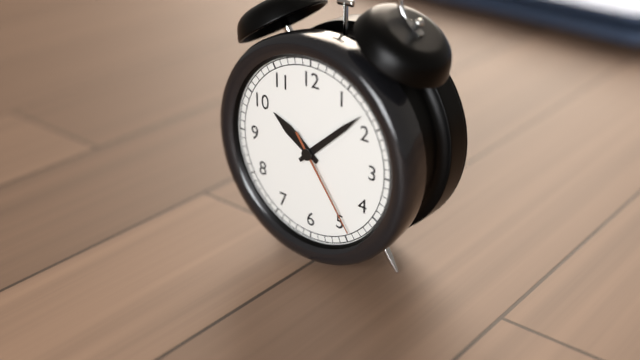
h=10 m=8 s=24
